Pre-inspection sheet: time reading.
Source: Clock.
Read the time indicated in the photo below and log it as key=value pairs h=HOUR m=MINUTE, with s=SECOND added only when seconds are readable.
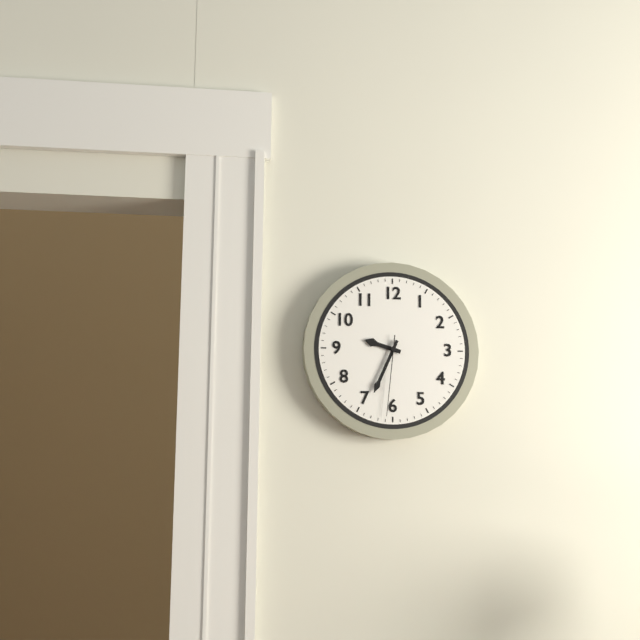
h=9 m=34 s=31
